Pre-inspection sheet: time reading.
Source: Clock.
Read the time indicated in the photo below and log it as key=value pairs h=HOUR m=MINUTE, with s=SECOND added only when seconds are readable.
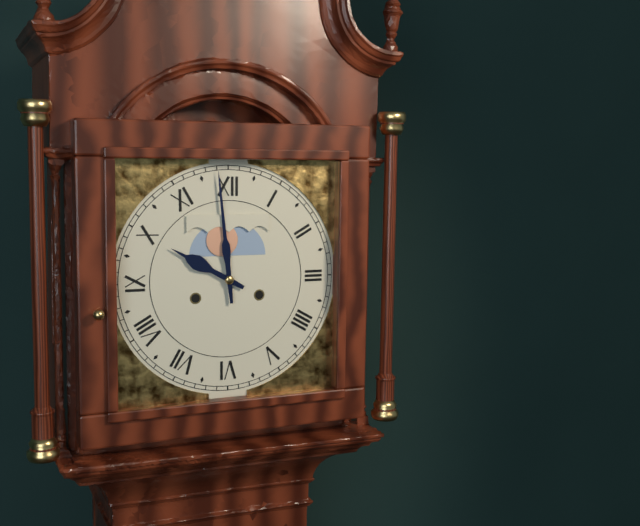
h=9 m=59
